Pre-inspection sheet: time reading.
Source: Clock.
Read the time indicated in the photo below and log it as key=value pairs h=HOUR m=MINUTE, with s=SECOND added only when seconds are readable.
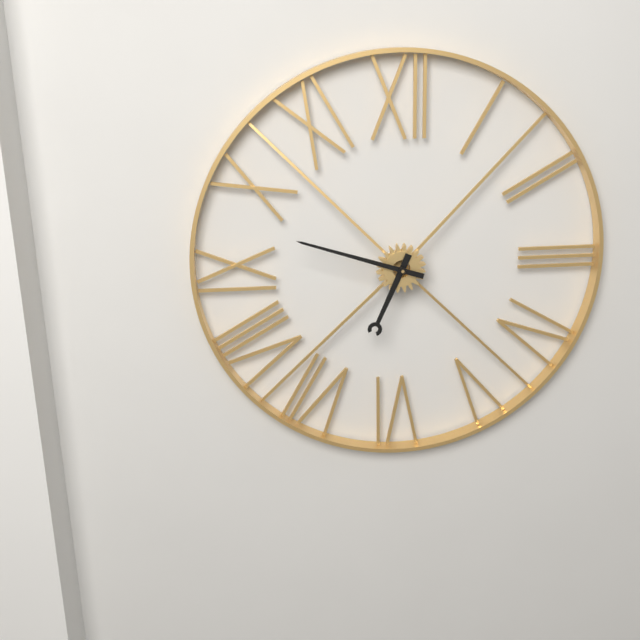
h=6 m=48
